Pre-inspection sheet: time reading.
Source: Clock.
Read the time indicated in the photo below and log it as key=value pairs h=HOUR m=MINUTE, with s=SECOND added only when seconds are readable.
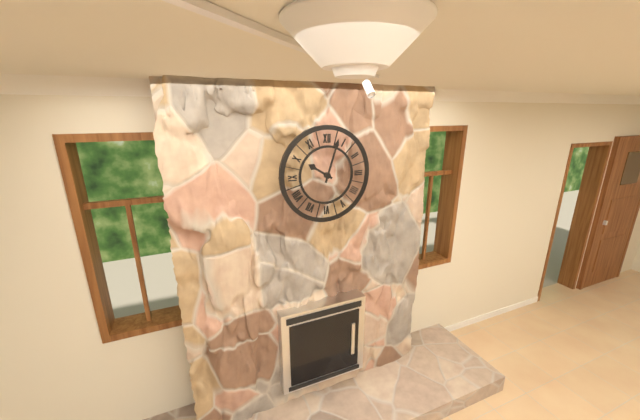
h=10 m=3
